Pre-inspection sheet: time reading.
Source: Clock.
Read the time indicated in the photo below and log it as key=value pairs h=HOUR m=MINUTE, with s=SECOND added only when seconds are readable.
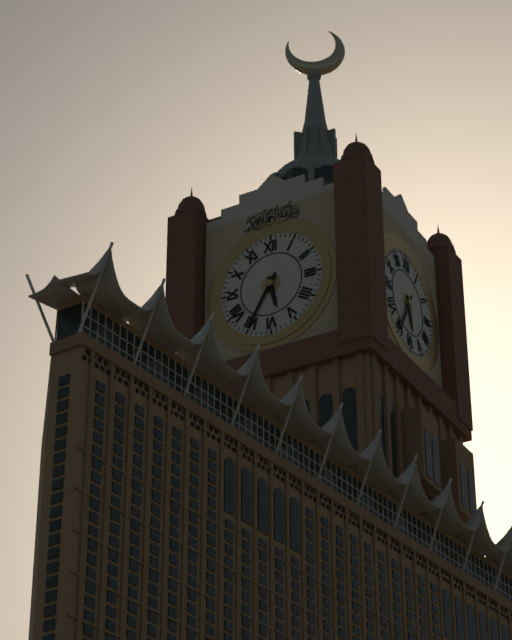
h=5 m=35
